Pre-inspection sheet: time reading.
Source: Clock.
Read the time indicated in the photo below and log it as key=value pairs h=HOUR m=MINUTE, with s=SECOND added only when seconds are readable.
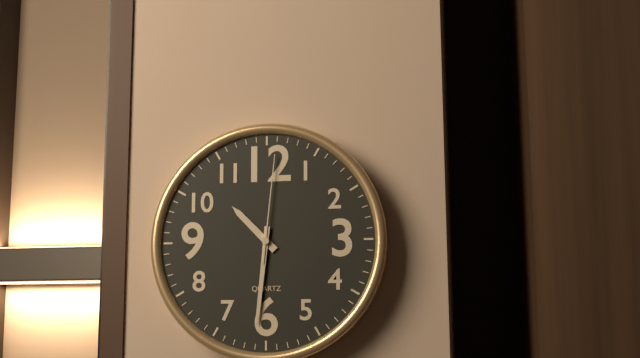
h=10 m=31 s=1
